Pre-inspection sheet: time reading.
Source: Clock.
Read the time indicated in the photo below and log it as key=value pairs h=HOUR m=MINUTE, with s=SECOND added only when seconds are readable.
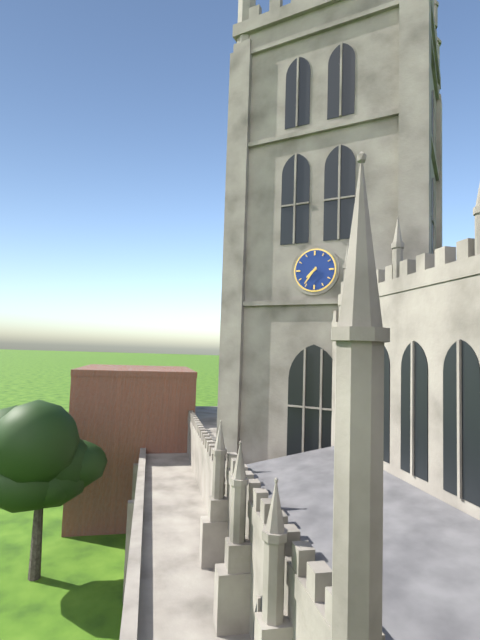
h=7 m=36
